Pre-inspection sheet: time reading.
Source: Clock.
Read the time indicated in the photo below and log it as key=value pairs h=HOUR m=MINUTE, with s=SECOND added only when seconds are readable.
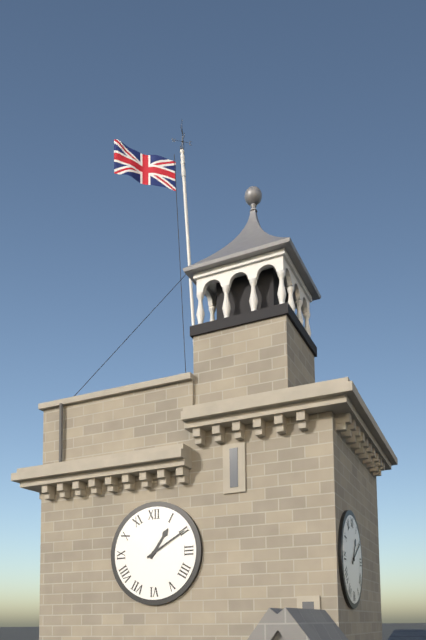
h=1 m=10
